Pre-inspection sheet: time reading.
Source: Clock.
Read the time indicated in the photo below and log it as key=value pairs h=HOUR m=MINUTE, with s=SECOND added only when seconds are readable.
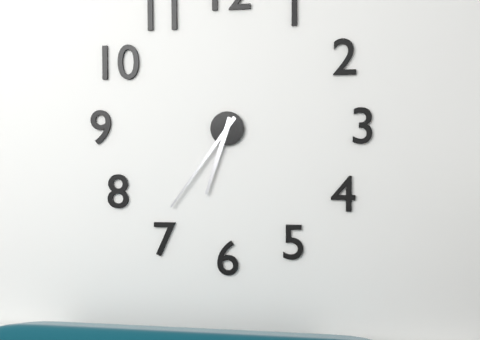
h=6 m=36
